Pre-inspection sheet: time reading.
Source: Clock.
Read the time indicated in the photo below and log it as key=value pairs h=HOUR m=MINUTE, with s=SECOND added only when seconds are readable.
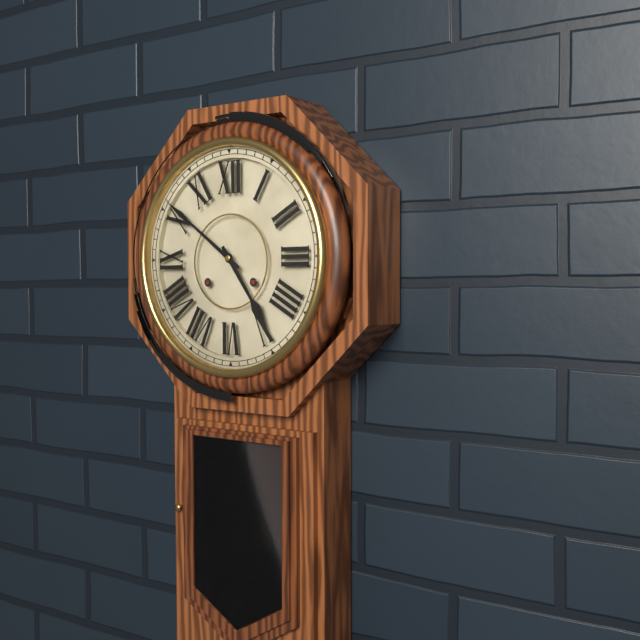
h=4 m=51
